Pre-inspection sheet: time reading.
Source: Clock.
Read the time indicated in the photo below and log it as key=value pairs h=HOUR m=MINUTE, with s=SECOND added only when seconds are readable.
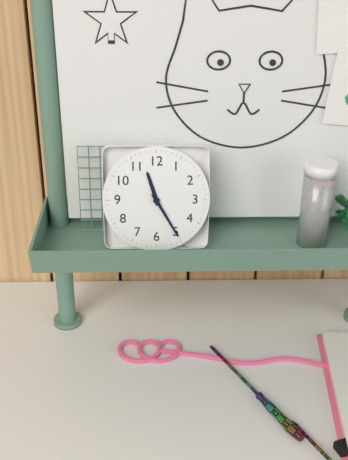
h=11 m=25
